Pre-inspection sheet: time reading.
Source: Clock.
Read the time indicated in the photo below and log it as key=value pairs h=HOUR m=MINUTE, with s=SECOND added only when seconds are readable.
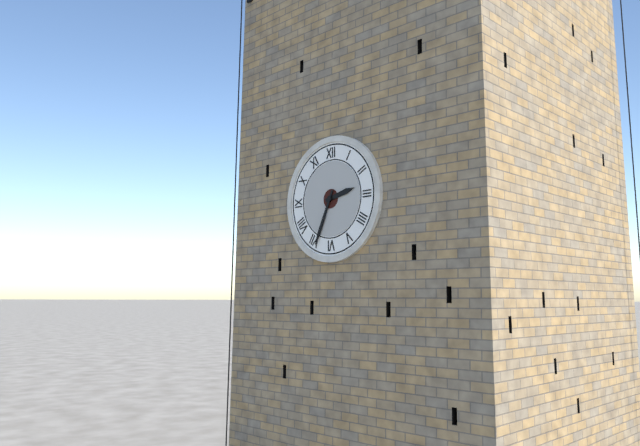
h=2 m=34
